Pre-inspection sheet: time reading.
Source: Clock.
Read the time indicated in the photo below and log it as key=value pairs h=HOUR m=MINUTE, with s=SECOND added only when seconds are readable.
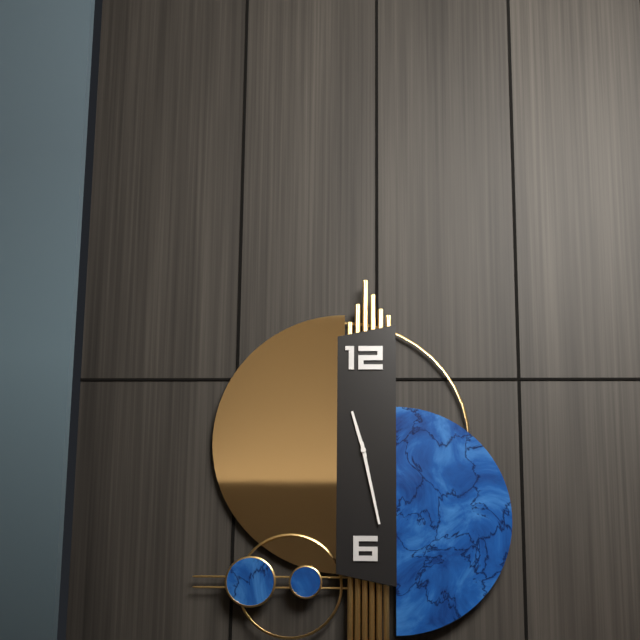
h=11 m=28
